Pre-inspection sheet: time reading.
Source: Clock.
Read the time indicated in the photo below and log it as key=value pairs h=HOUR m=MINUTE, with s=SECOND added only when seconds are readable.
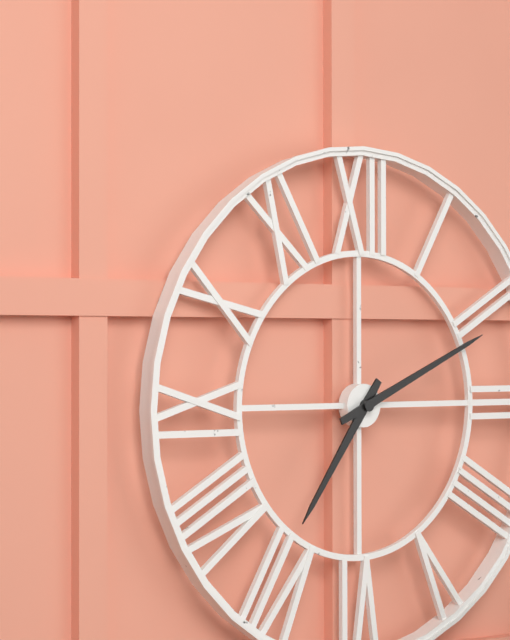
h=7 m=11
